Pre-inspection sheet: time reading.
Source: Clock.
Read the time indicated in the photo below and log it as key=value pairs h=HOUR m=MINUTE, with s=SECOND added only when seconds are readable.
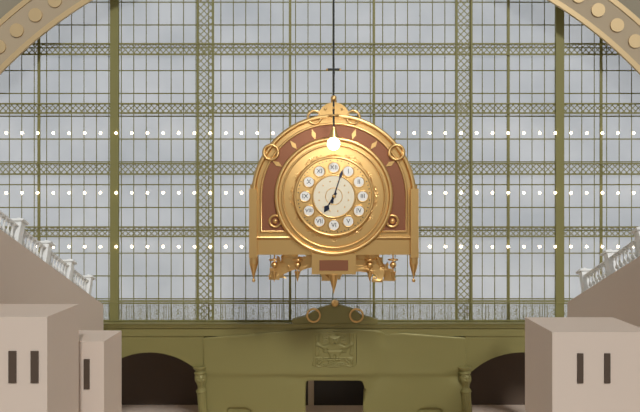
h=7 m=3
